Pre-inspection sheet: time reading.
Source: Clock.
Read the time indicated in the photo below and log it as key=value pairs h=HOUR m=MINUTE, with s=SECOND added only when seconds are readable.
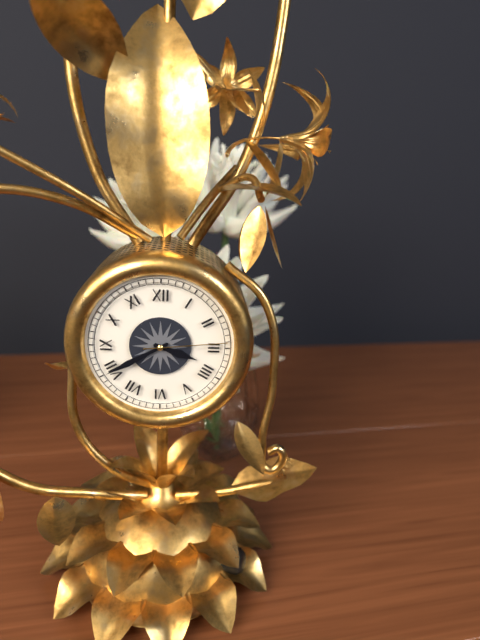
h=3 m=40 s=14
